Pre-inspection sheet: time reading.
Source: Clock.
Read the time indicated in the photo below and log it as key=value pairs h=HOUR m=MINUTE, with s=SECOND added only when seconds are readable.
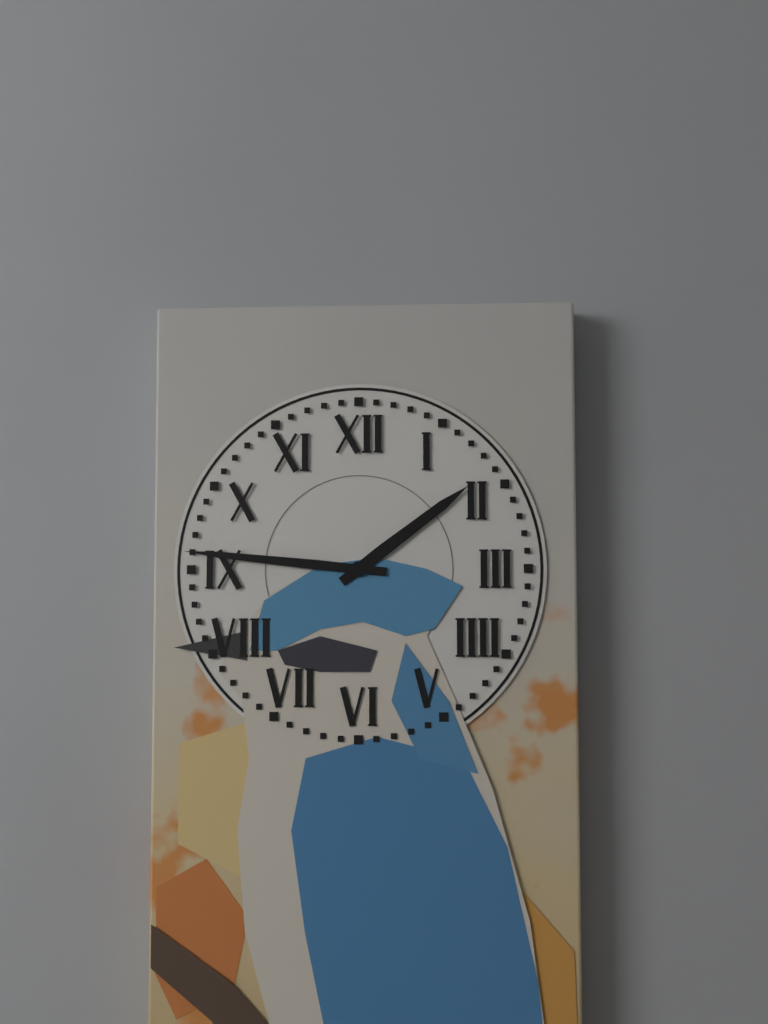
h=1 m=46
